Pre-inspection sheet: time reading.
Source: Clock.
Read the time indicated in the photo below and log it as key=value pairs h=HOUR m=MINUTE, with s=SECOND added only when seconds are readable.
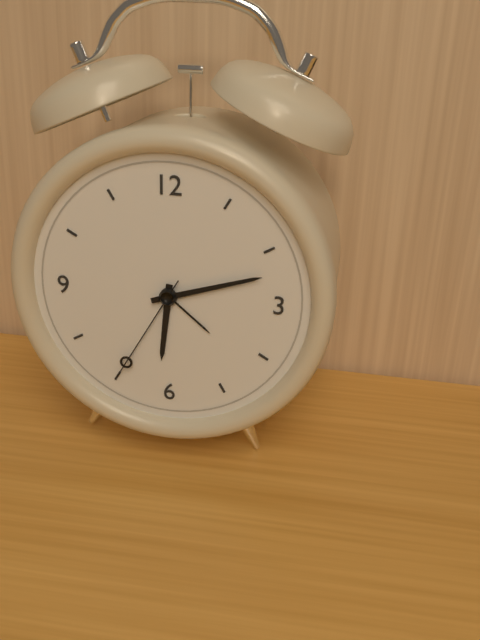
h=6 m=12 s=35
